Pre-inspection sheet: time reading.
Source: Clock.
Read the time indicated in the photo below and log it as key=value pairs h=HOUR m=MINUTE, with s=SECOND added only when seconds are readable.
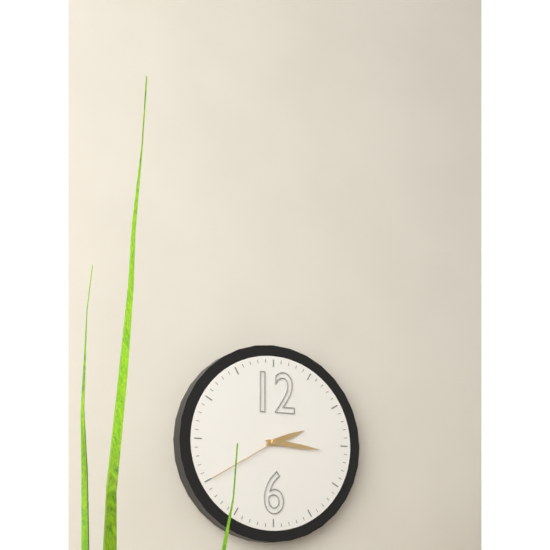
h=2 m=16 s=40
